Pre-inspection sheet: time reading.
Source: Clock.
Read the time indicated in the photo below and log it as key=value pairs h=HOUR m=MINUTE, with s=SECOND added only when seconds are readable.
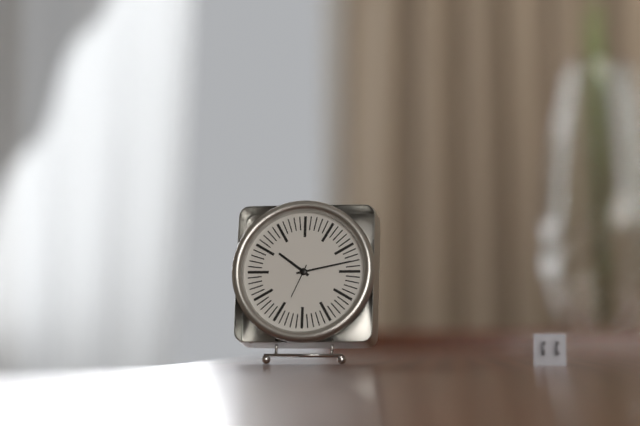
h=10 m=13
